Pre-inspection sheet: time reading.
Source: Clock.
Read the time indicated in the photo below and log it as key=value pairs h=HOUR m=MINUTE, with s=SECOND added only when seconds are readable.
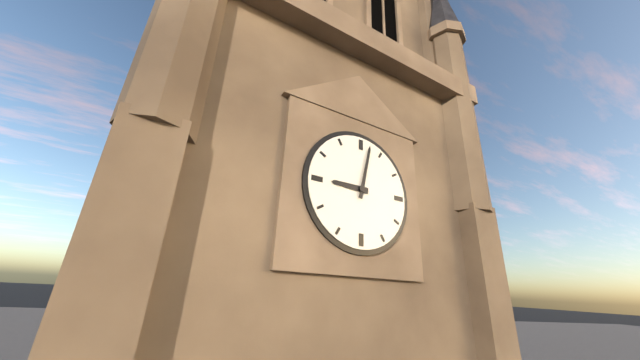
h=9 m=2
